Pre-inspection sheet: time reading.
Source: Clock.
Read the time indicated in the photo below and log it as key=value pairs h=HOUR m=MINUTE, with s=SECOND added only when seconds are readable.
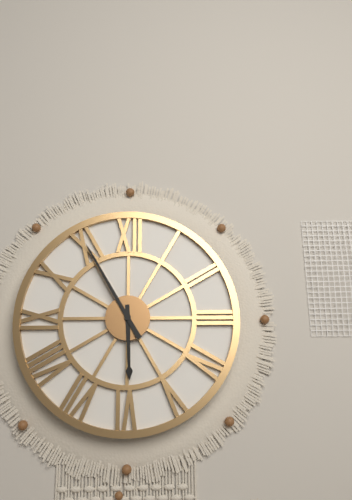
h=5 m=55
